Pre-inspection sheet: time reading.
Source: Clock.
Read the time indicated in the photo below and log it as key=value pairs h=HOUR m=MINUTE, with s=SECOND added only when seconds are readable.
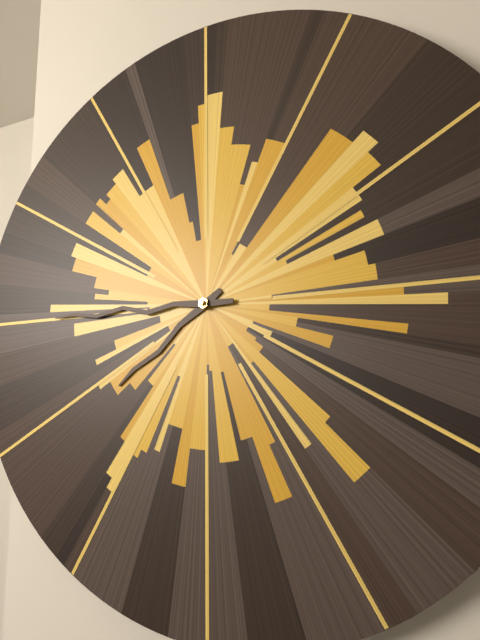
h=7 m=45
